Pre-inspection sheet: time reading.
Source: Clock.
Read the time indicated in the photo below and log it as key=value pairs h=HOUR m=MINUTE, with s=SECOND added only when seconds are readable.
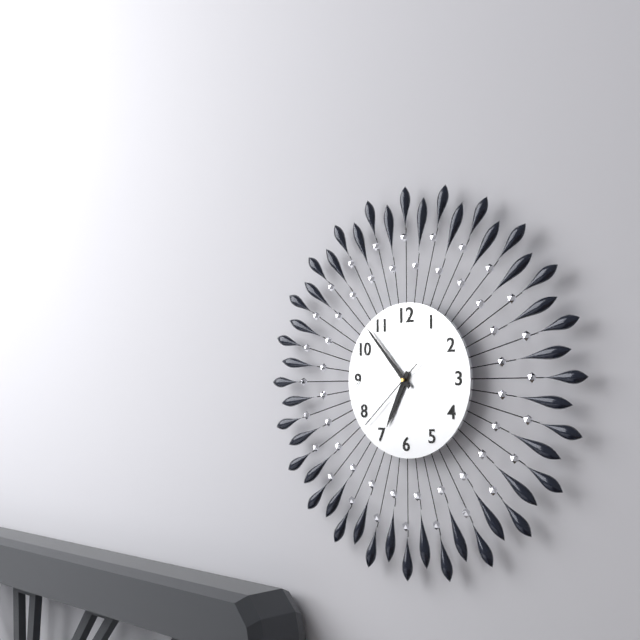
h=6 m=53 s=38
